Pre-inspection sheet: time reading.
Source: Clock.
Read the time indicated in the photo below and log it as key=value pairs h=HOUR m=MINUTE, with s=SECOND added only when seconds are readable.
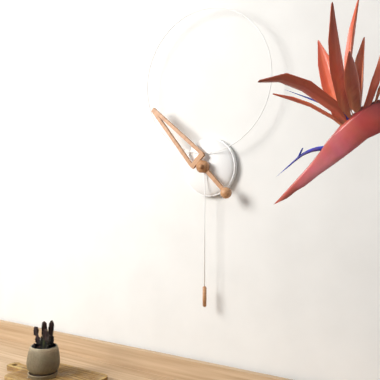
h=10 m=30
